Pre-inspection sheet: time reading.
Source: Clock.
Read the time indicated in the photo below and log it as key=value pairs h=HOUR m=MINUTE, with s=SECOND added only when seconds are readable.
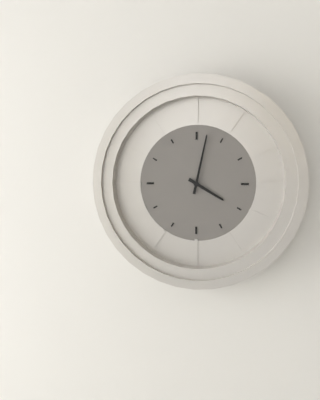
h=4 m=2
